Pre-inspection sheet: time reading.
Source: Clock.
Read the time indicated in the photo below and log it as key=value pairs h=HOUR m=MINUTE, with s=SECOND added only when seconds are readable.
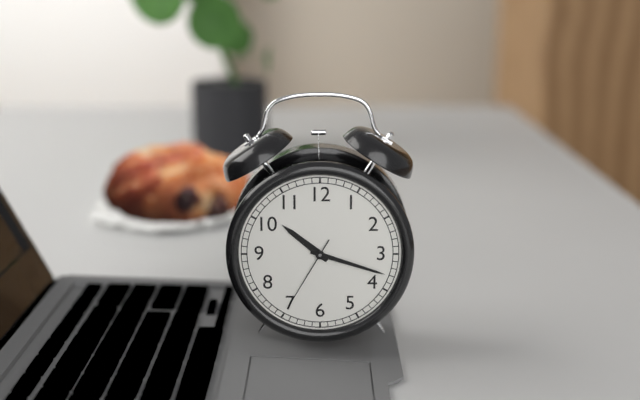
h=10 m=18 s=35
